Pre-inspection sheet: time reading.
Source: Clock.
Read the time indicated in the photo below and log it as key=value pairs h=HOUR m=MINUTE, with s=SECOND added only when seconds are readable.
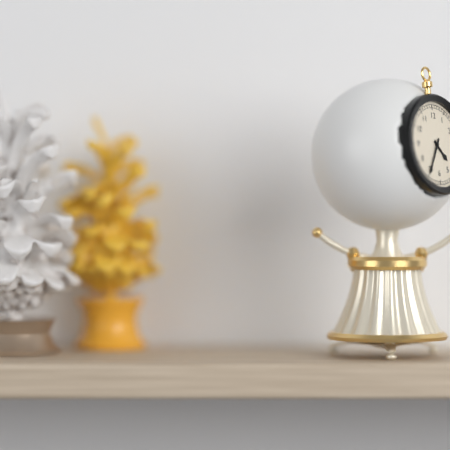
h=4 m=35
